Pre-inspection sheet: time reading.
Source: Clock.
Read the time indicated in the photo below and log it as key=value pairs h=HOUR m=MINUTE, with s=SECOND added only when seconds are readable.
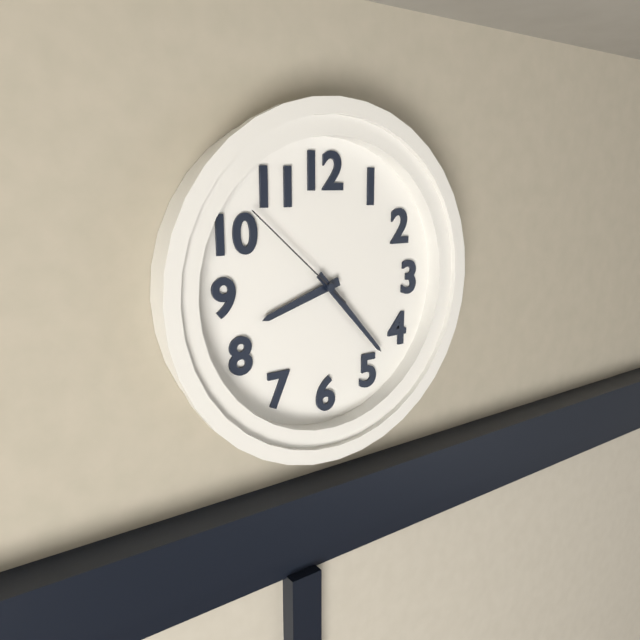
h=8 m=23 s=52
